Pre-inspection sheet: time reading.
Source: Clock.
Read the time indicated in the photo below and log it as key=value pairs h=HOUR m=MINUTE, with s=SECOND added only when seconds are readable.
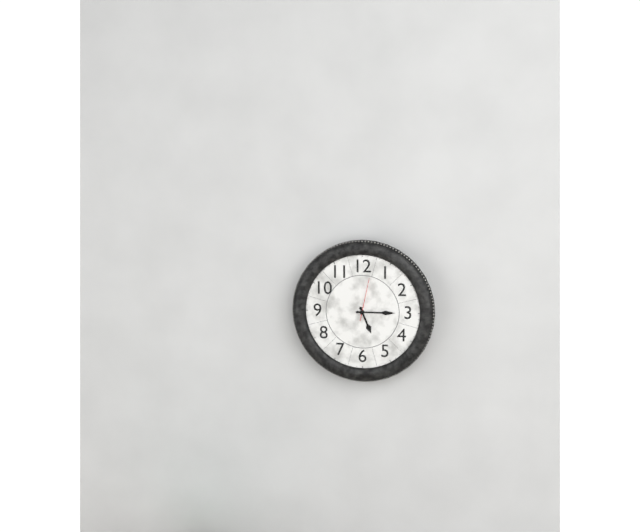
h=5 m=15
